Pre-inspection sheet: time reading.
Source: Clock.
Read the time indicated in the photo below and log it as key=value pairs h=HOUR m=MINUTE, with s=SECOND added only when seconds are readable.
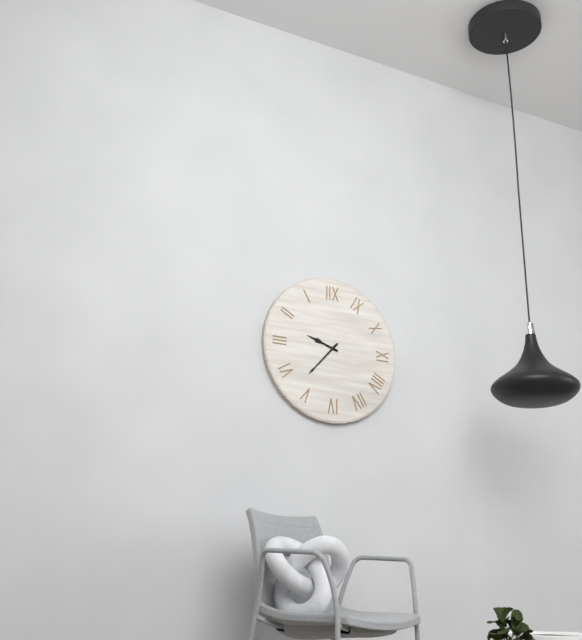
h=9 m=37
